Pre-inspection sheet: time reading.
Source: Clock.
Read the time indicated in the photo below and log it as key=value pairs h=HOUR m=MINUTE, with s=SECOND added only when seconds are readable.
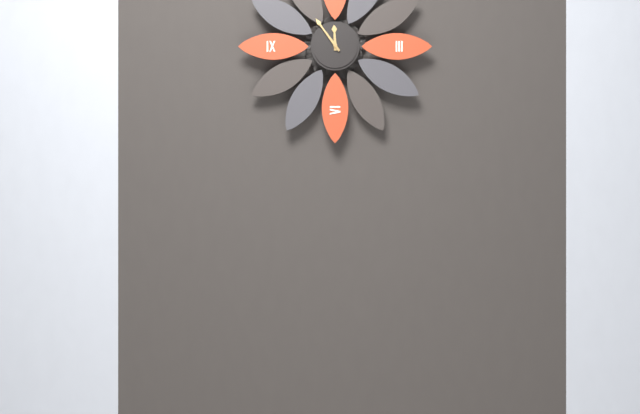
h=11 m=54
